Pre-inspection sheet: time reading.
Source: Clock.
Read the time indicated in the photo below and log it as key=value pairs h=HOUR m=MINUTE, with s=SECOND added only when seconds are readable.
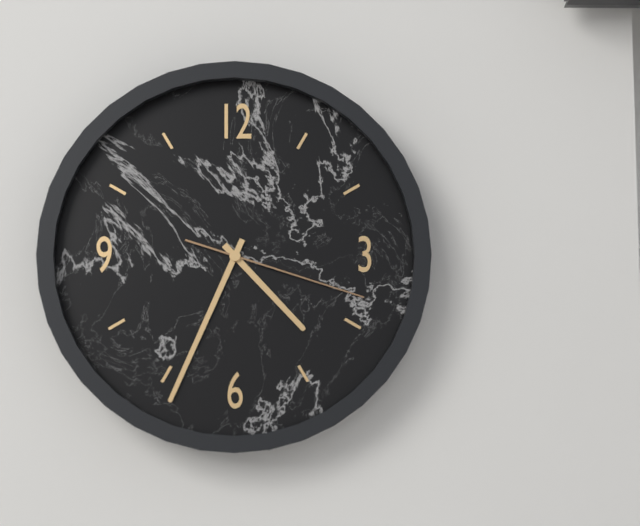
h=4 m=34 s=18
